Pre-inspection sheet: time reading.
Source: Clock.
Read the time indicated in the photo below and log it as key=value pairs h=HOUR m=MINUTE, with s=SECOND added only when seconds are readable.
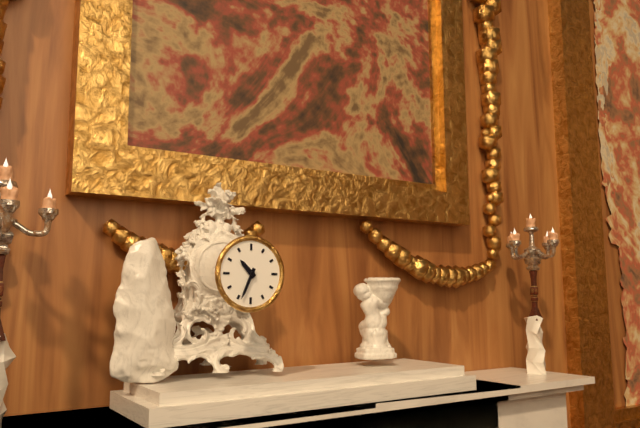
h=10 m=34
